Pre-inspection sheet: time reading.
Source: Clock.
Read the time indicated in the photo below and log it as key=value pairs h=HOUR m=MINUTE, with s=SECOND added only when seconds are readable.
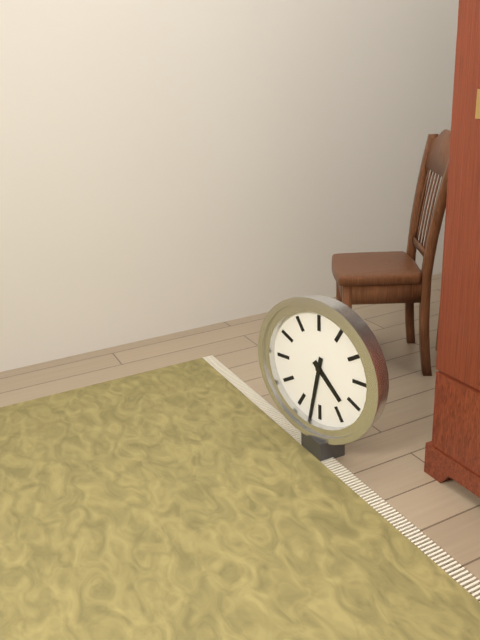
h=4 m=32
